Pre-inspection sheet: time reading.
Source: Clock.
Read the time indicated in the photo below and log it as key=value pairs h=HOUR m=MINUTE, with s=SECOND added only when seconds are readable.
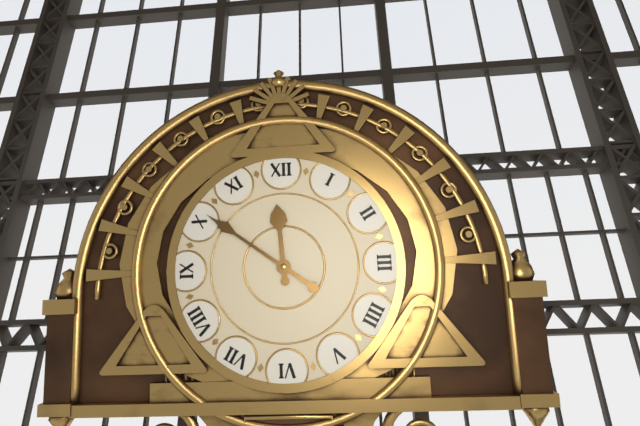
h=11 m=51
